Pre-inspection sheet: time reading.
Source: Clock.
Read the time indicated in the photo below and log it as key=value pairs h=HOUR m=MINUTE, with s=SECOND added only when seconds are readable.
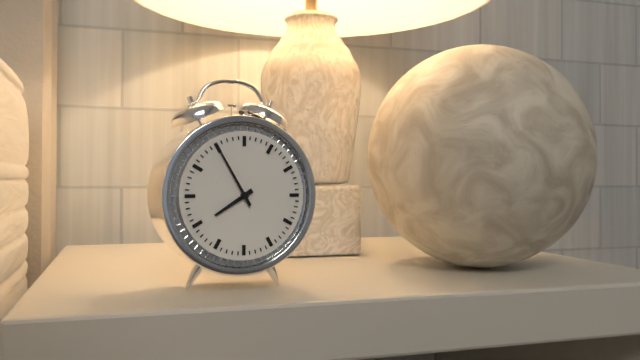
h=7 m=55
